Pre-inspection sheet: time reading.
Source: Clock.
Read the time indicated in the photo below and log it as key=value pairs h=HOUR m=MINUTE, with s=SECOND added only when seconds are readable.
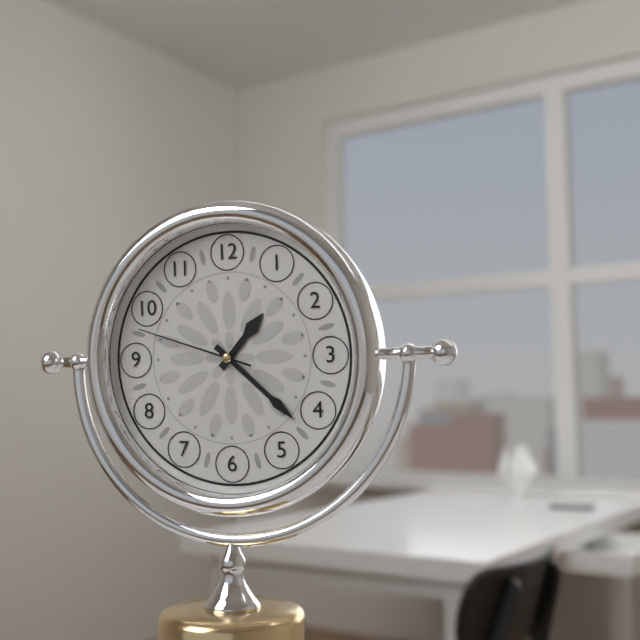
h=1 m=22 s=48
